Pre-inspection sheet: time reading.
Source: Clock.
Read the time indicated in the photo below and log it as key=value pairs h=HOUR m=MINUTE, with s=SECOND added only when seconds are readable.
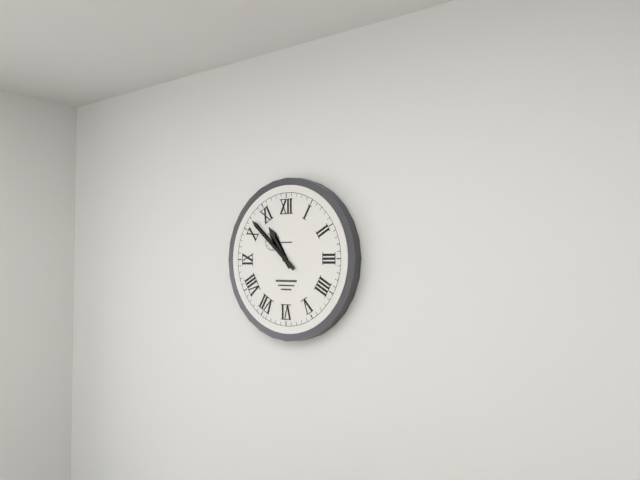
h=10 m=52
